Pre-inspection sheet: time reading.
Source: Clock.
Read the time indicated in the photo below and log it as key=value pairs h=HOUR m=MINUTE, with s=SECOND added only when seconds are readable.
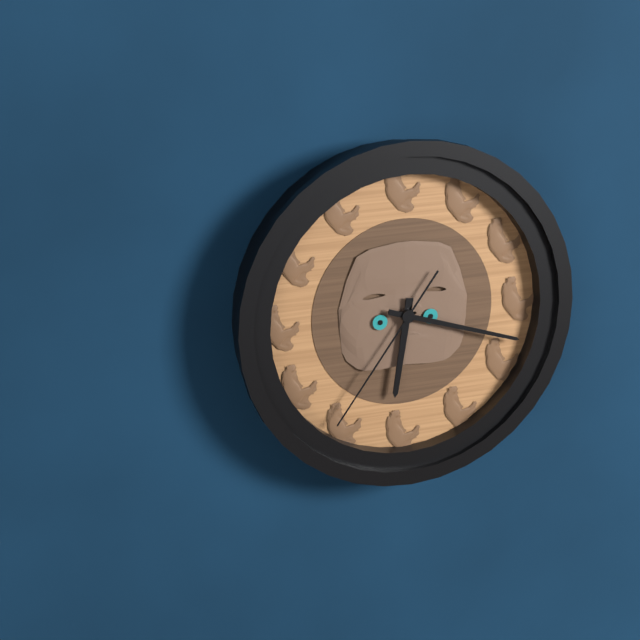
h=6 m=18 s=36
